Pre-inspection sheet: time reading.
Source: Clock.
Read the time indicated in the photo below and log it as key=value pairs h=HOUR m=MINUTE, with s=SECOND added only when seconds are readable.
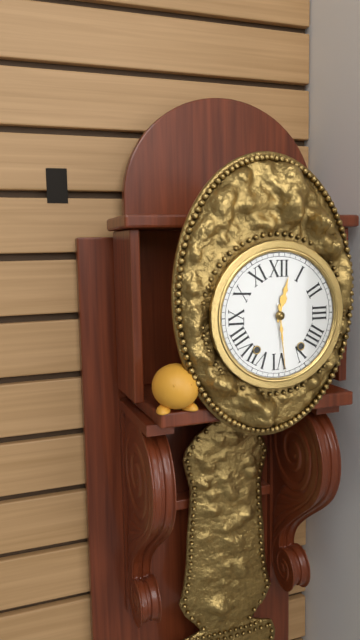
h=12 m=29
